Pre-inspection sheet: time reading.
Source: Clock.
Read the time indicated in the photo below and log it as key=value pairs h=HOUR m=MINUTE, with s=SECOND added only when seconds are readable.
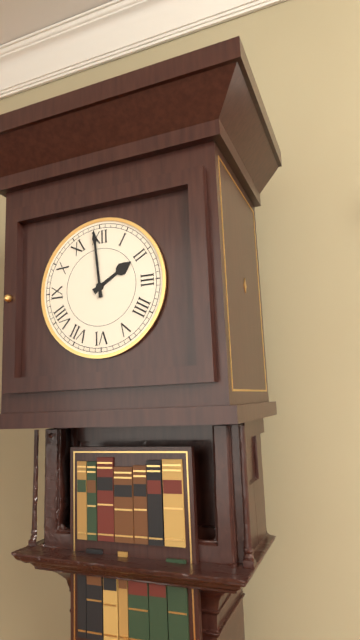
h=1 m=59
